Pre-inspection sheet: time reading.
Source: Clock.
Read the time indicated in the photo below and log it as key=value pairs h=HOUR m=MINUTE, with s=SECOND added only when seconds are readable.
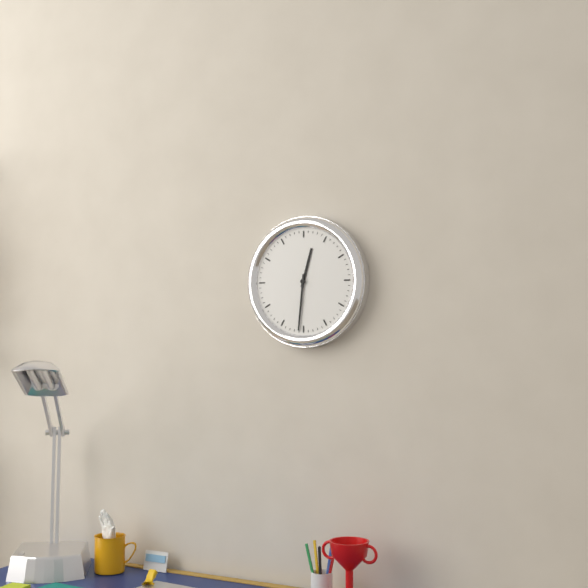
h=12 m=31
